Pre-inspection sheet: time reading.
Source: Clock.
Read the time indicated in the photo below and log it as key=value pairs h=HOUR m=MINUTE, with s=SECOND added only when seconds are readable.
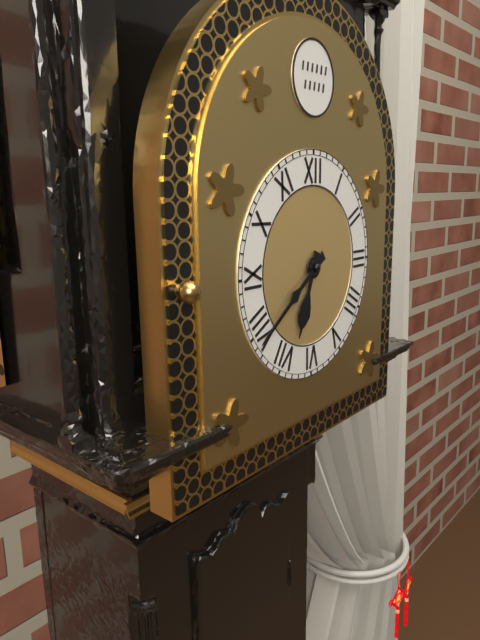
h=6 m=39
